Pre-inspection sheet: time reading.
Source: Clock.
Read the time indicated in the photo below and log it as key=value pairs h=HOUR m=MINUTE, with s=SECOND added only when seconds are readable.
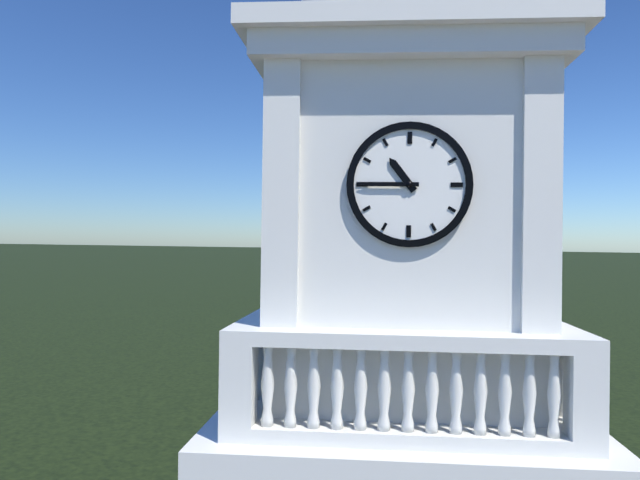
h=10 m=45
